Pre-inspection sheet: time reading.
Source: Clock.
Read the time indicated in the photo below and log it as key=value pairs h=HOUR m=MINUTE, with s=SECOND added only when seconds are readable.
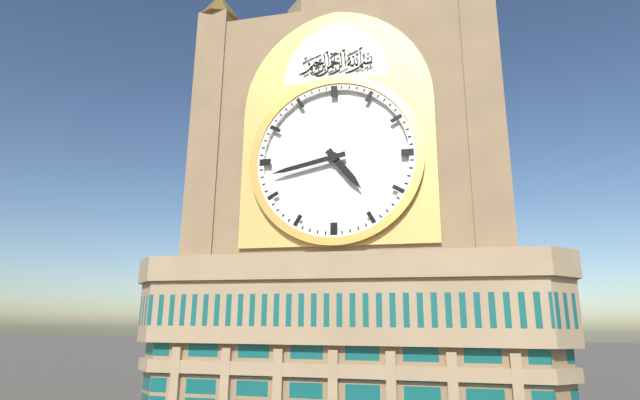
h=4 m=43
